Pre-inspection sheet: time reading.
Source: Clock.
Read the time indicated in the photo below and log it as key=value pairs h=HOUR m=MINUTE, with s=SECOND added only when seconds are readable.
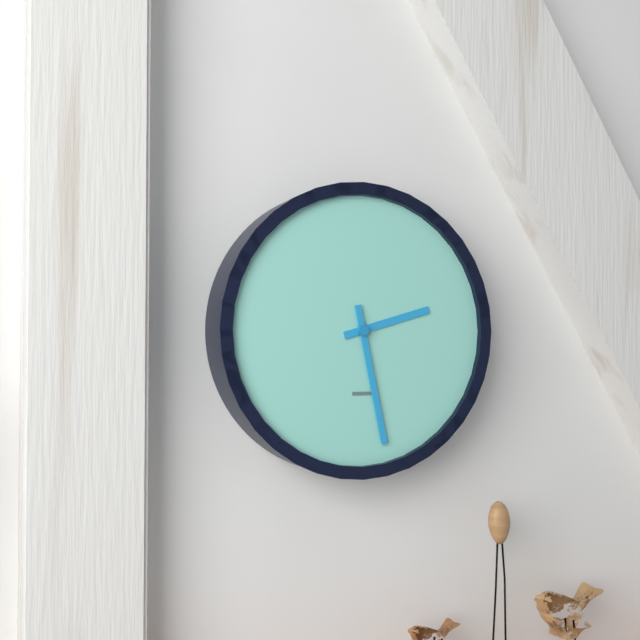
h=2 m=28
